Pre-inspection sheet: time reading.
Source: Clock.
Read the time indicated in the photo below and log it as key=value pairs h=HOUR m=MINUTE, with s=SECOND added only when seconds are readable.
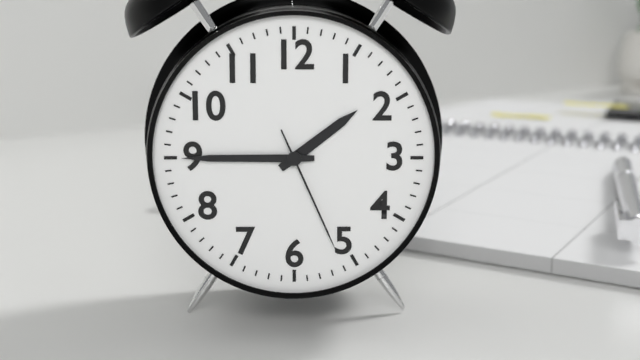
h=1 m=45 s=26
